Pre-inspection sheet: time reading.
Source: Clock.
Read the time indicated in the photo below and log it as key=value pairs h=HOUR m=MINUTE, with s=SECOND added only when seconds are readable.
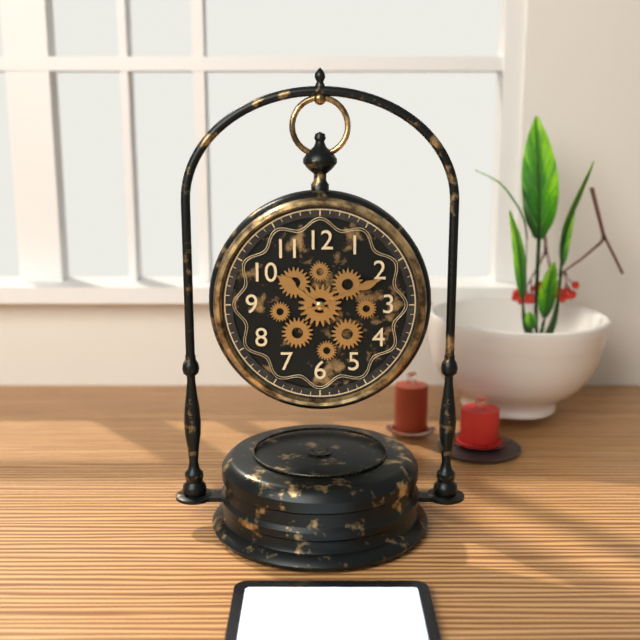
h=10 m=11
